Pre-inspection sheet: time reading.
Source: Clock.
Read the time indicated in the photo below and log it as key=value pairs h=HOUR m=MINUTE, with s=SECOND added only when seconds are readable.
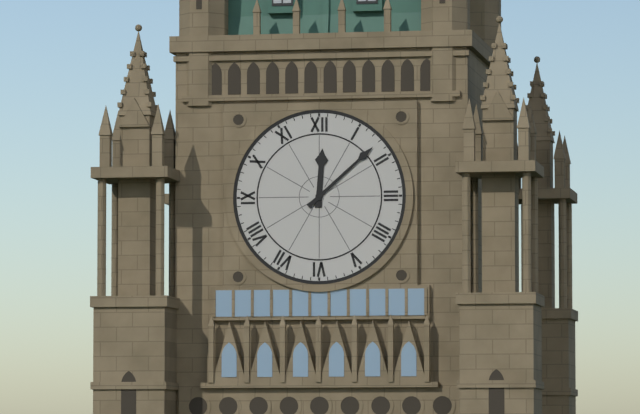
h=12 m=8
